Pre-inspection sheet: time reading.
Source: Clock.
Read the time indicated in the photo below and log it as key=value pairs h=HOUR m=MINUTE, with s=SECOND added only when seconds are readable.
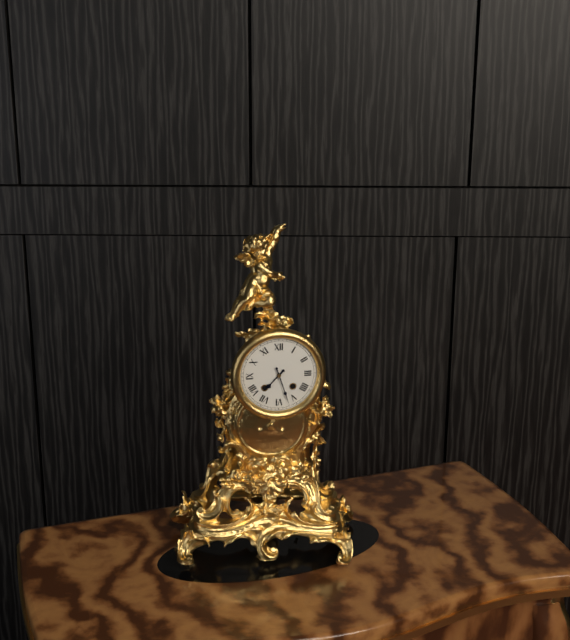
h=7 m=27
